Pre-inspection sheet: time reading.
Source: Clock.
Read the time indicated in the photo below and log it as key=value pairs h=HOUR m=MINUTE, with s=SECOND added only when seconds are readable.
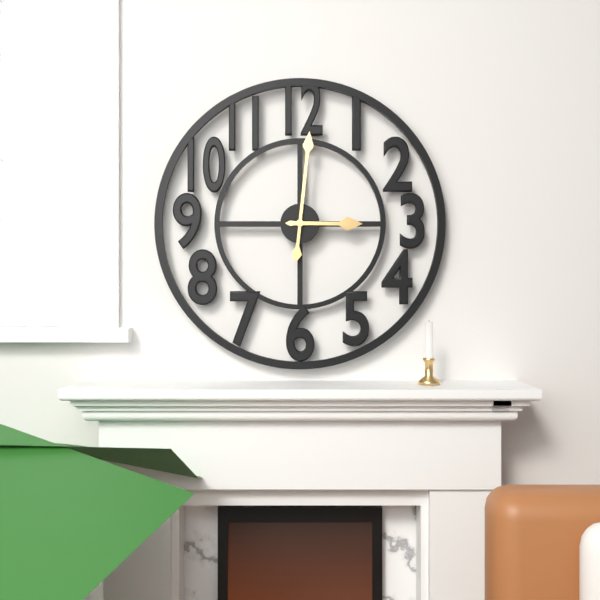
h=3 m=1
